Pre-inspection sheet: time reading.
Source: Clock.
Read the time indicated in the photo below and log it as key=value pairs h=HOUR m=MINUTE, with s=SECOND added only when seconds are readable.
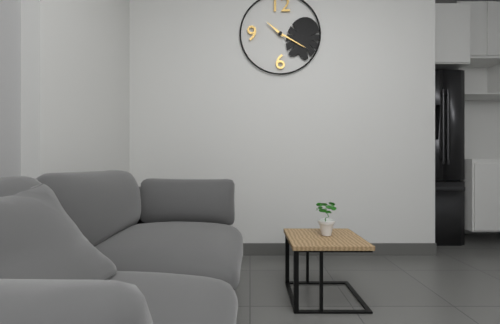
h=10 m=20
